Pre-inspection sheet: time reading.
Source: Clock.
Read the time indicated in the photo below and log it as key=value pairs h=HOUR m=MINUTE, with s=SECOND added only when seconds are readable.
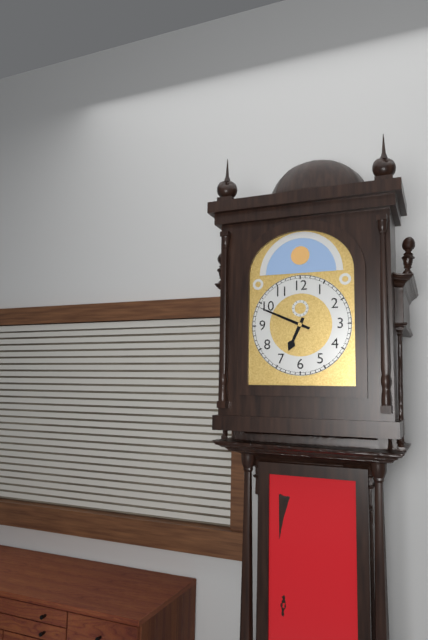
h=6 m=49
